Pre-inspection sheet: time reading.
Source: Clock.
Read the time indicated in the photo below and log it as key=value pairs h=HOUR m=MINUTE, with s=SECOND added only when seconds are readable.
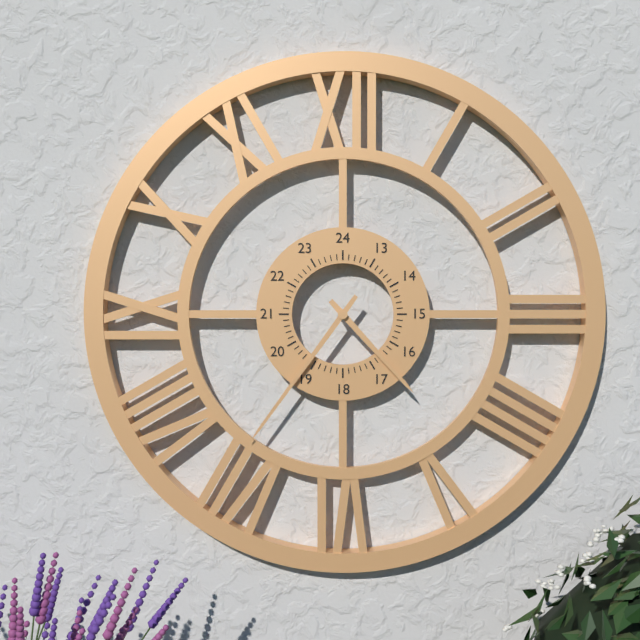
h=4 m=36
